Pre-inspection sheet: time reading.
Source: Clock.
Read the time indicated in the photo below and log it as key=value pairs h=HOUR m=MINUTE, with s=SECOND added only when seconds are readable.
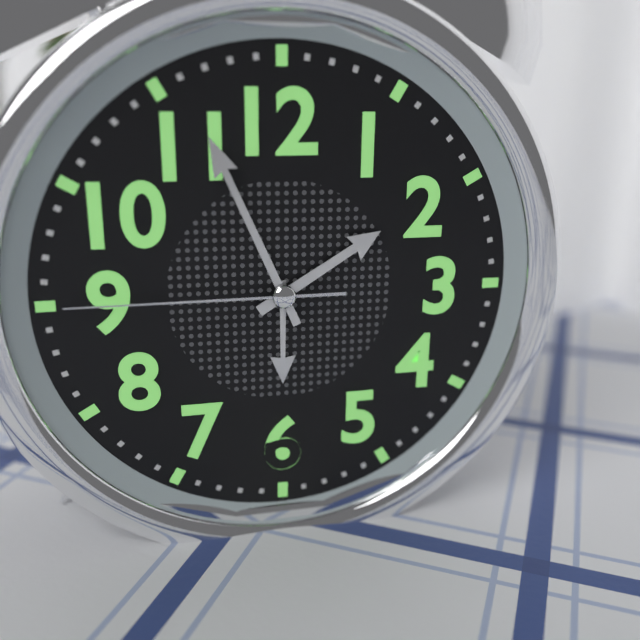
h=1 m=56 s=45
